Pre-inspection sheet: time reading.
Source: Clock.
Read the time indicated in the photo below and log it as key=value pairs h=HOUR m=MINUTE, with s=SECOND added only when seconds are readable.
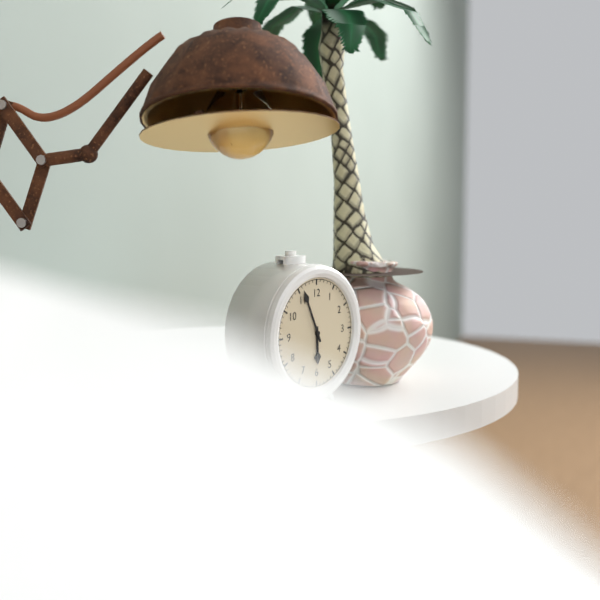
h=5 m=56
